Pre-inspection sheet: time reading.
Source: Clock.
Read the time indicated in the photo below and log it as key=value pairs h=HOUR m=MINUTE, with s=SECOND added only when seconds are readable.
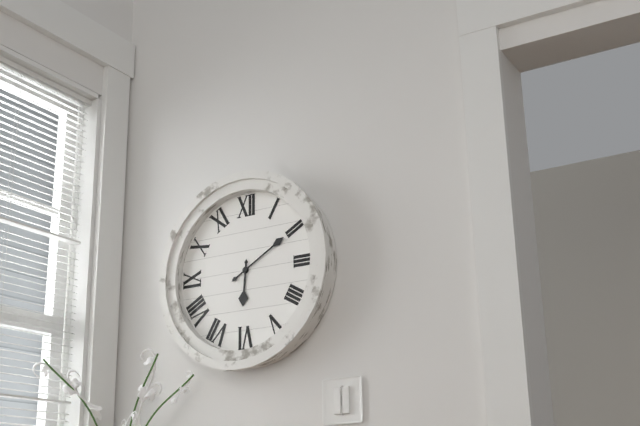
h=6 m=10
